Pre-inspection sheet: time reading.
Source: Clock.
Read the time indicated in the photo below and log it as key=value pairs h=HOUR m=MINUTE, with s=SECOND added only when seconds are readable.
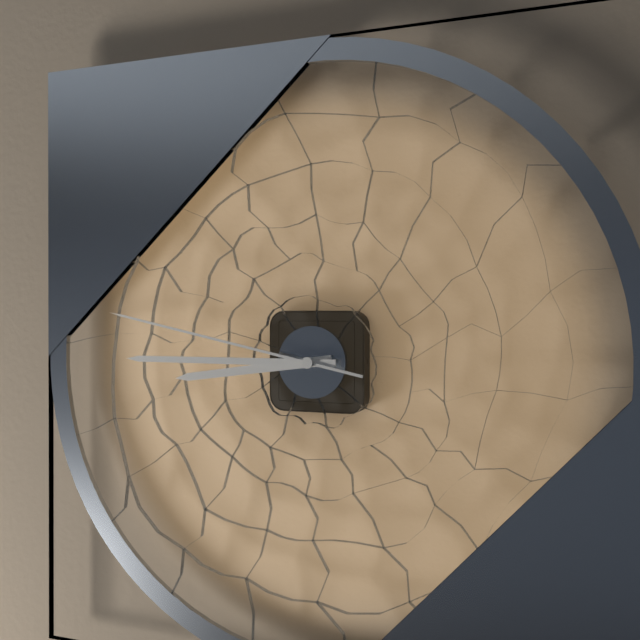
h=8 m=45 s=47
